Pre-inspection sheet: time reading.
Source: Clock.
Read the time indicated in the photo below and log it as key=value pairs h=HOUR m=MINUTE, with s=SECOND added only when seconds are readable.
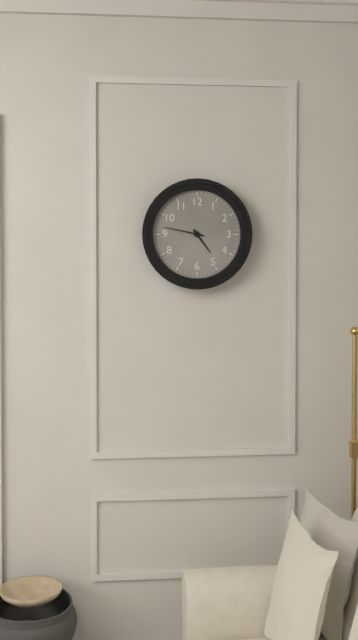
h=4 m=47
